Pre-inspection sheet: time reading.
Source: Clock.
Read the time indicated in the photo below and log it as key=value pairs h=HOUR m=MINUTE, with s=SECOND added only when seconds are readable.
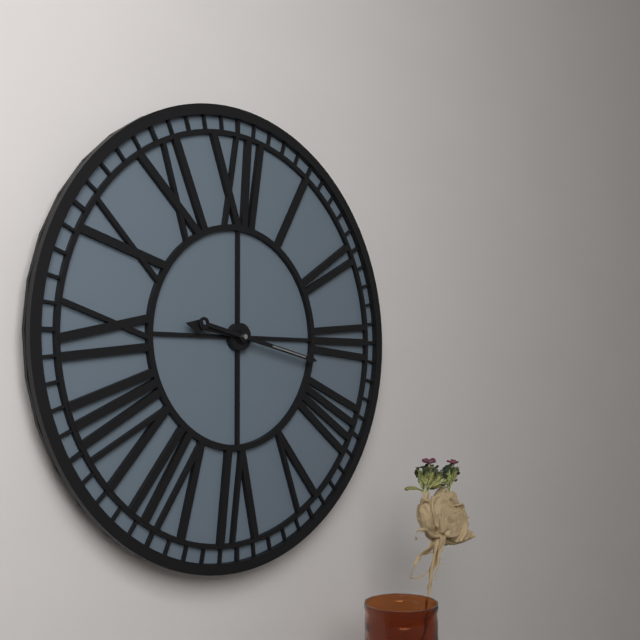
h=9 m=17
